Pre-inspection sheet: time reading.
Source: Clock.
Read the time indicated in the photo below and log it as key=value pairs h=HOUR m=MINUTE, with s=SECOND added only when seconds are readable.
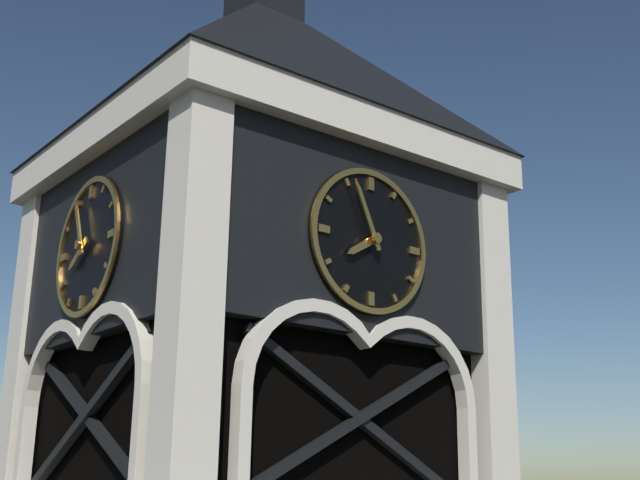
h=7 m=56
